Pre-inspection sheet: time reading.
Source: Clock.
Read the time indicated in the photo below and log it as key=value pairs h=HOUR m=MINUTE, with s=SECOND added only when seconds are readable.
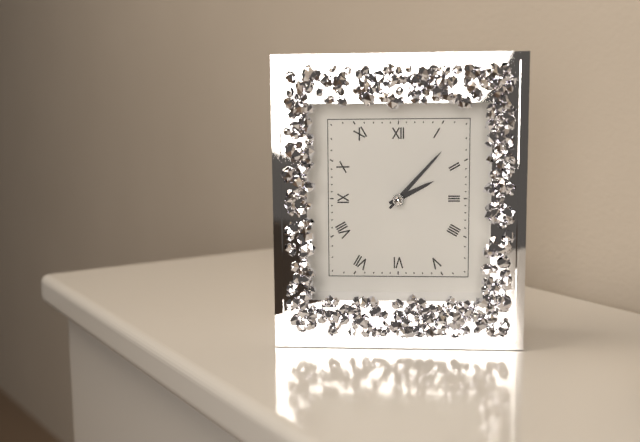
h=2 m=7
